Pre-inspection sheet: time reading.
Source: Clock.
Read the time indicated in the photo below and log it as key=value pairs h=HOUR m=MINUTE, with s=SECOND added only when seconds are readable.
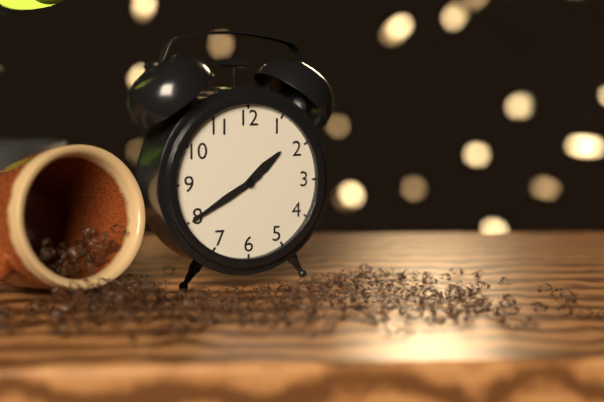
h=1 m=40
